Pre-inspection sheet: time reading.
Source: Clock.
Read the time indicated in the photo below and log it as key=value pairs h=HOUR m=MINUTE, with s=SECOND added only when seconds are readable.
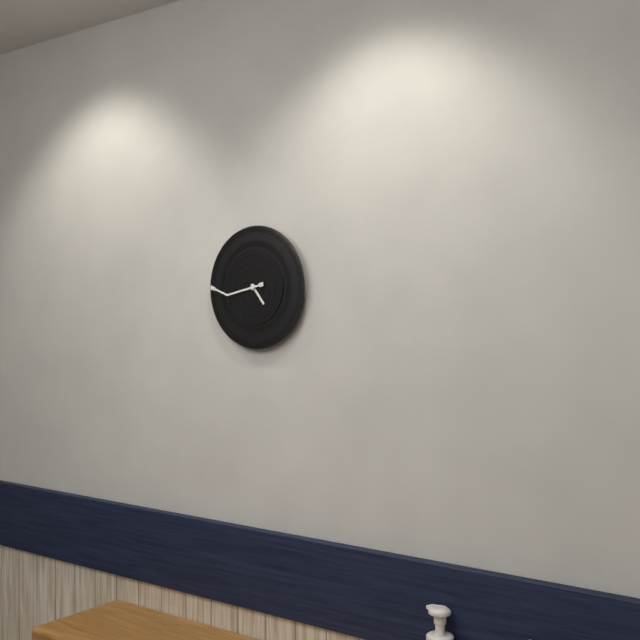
h=4 m=43
